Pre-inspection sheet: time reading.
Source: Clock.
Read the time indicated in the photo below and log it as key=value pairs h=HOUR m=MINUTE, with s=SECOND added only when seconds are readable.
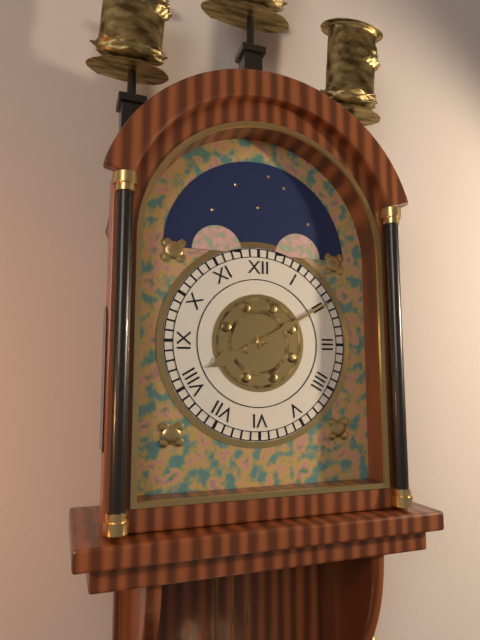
h=8 m=10
